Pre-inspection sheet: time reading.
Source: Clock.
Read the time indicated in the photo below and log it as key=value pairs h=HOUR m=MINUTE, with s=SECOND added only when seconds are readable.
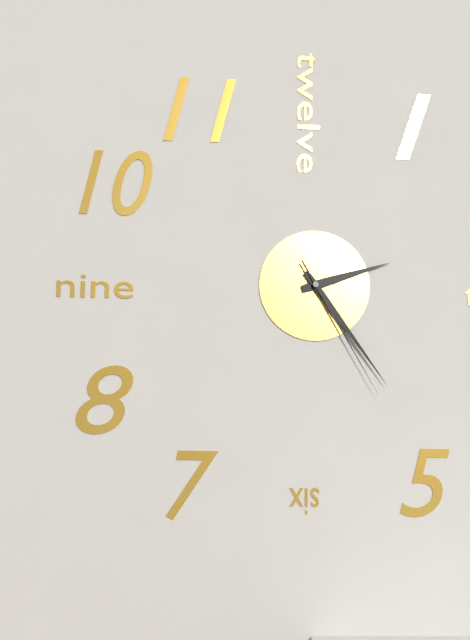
h=2 m=24 s=25
